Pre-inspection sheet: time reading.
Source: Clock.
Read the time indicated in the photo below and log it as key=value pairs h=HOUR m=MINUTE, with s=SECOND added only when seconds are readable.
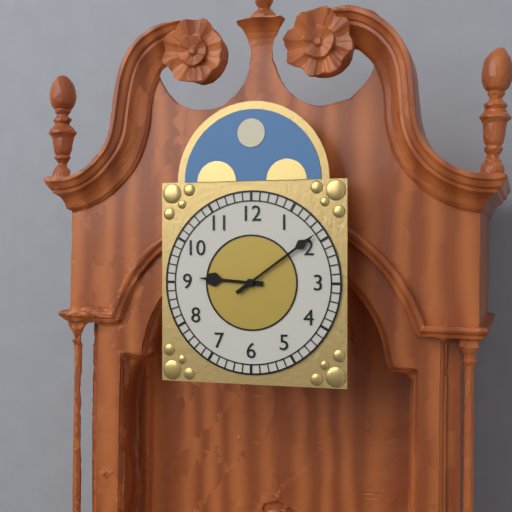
h=9 m=9
